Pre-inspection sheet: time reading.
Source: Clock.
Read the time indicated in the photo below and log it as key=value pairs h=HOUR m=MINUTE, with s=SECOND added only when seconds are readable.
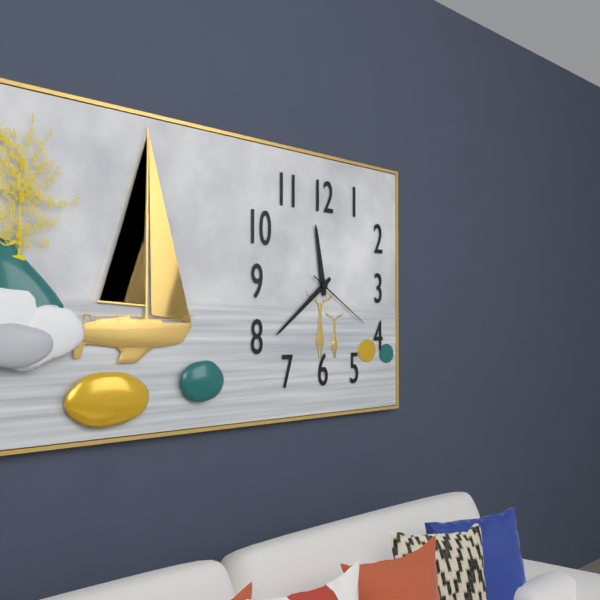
h=11 m=39 s=20
